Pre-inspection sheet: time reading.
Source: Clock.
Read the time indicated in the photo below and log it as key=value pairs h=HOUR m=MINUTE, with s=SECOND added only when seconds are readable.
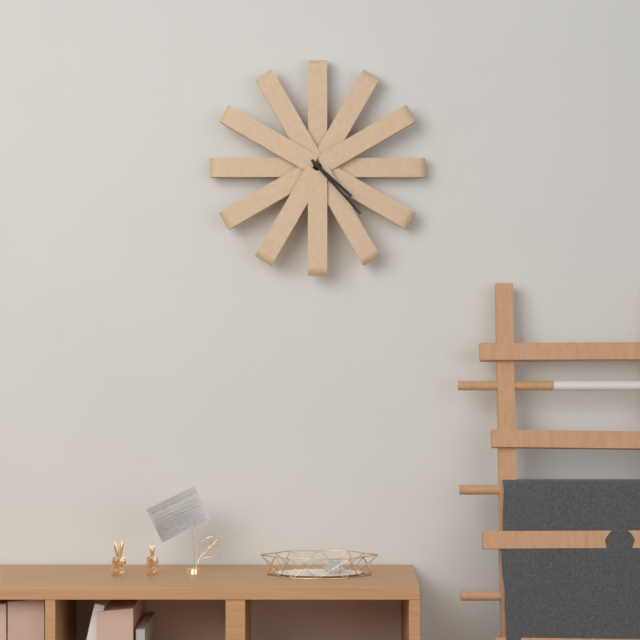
h=4 m=23
